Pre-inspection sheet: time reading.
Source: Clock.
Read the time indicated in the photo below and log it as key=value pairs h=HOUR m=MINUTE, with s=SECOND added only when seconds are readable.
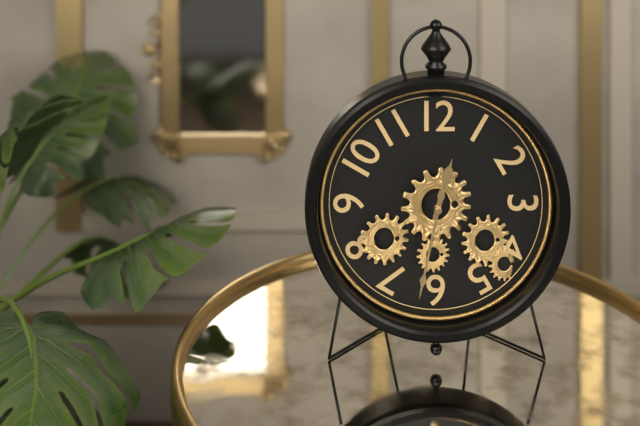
h=12 m=32
